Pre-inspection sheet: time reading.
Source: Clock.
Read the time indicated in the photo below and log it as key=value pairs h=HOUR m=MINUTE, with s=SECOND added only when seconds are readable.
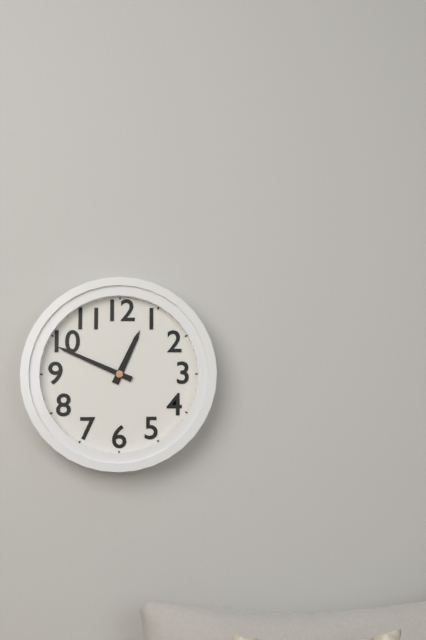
h=12 m=49
